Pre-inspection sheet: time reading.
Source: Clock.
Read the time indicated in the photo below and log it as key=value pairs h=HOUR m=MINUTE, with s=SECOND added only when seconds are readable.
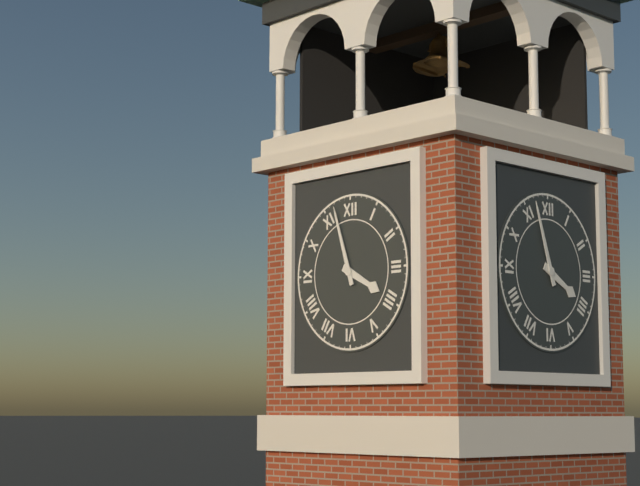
h=3 m=57
